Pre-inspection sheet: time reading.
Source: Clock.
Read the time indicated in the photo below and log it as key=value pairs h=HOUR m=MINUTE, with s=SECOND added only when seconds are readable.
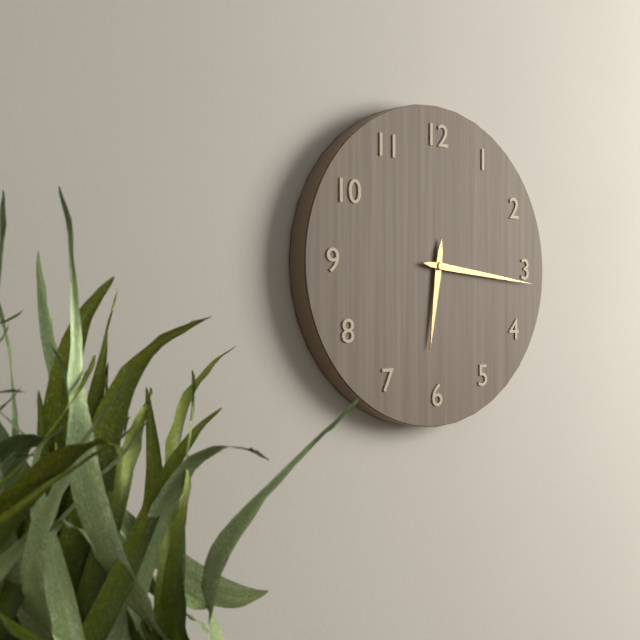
h=6 m=16
